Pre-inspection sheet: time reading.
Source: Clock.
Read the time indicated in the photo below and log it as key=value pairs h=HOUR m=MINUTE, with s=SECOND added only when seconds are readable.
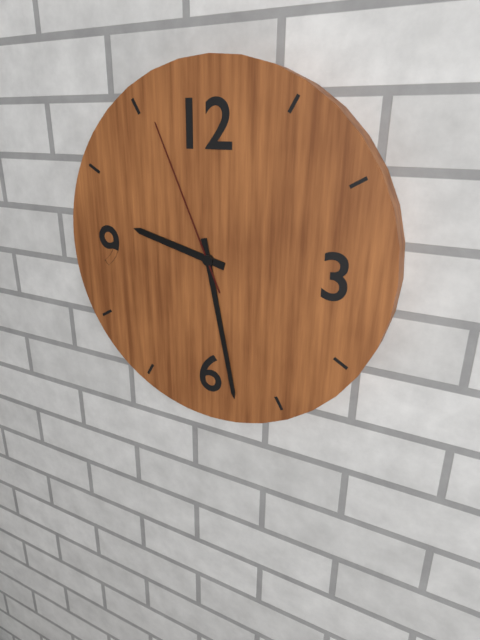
h=9 m=28 s=56
